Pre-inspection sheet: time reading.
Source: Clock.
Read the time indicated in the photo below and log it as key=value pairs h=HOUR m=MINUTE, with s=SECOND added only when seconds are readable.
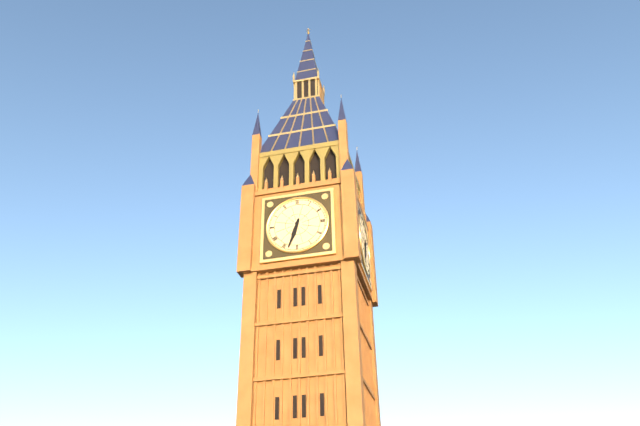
h=6 m=33
